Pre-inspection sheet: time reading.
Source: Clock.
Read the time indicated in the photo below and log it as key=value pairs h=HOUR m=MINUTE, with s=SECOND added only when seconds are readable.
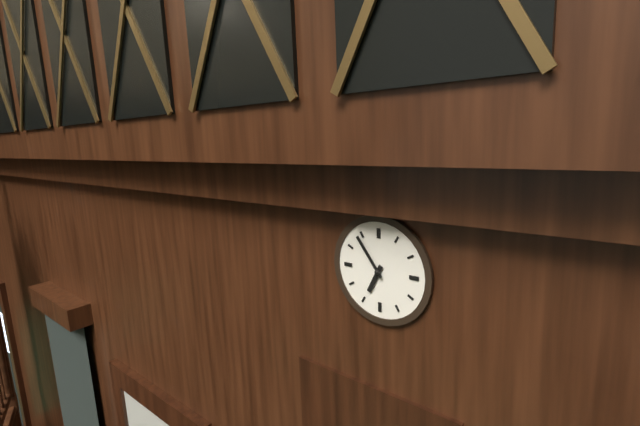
h=6 m=54
